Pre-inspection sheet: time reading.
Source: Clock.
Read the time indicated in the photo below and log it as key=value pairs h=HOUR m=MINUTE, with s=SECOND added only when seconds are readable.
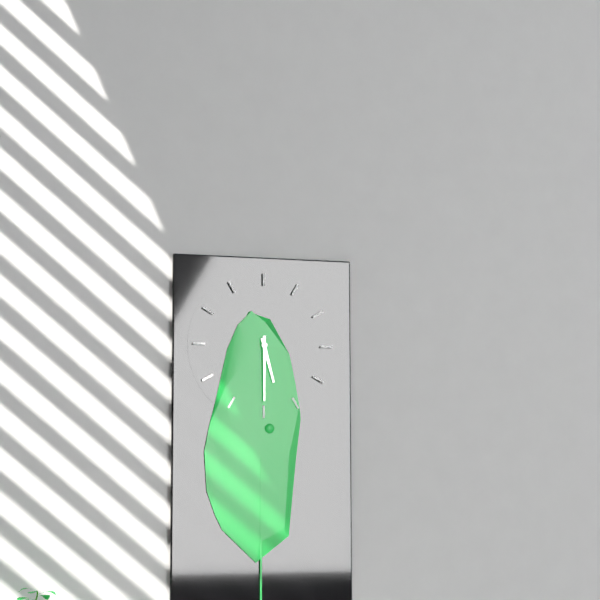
h=5 m=30
